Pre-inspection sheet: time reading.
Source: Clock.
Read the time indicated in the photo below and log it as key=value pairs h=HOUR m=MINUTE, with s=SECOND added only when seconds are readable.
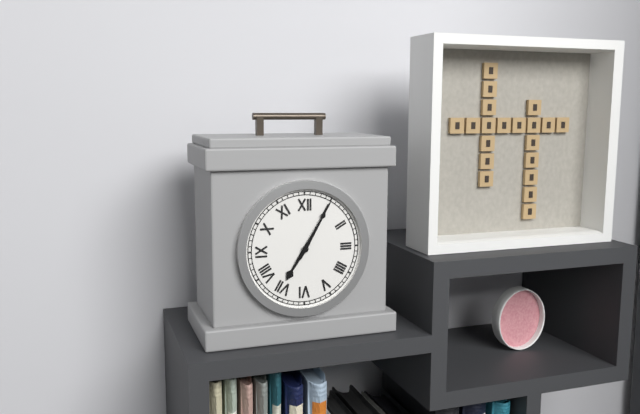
h=7 m=5
